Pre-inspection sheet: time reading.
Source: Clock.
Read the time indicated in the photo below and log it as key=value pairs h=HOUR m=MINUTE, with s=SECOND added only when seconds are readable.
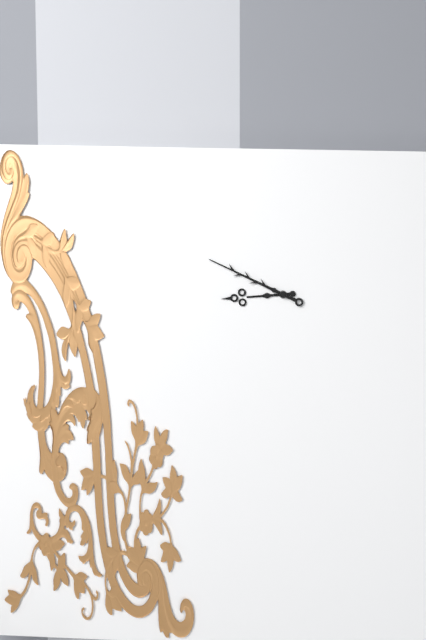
h=8 m=49
